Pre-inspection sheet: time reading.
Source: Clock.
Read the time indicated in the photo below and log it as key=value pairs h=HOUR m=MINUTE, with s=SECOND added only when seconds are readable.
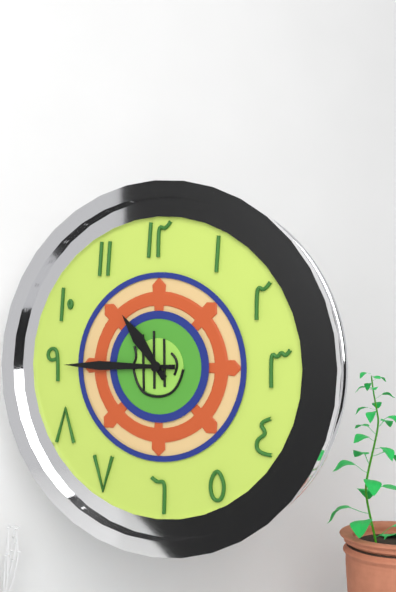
h=10 m=45
